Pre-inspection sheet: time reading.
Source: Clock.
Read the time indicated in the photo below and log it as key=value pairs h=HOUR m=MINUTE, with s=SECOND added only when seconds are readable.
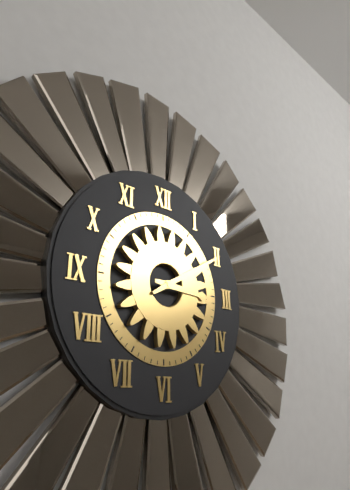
h=3 m=10
